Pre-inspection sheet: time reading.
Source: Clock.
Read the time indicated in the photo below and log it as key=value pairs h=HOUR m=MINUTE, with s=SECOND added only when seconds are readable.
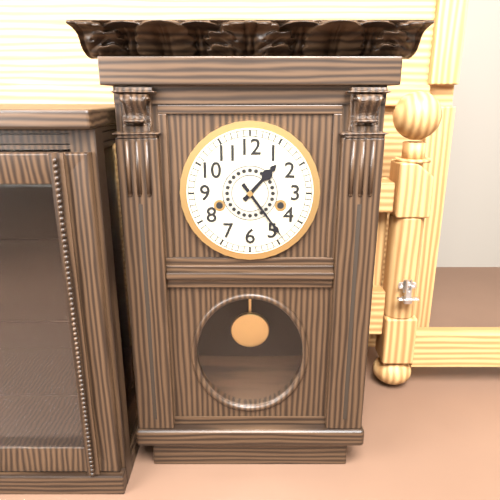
h=1 m=24
